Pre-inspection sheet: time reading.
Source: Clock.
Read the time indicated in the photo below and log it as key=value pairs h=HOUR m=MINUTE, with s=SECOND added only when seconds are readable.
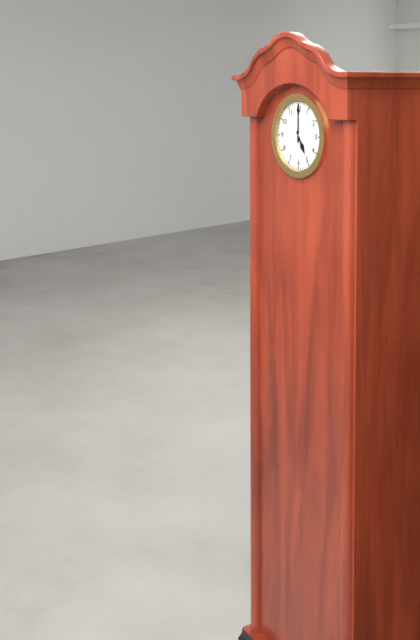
h=5 m=0
